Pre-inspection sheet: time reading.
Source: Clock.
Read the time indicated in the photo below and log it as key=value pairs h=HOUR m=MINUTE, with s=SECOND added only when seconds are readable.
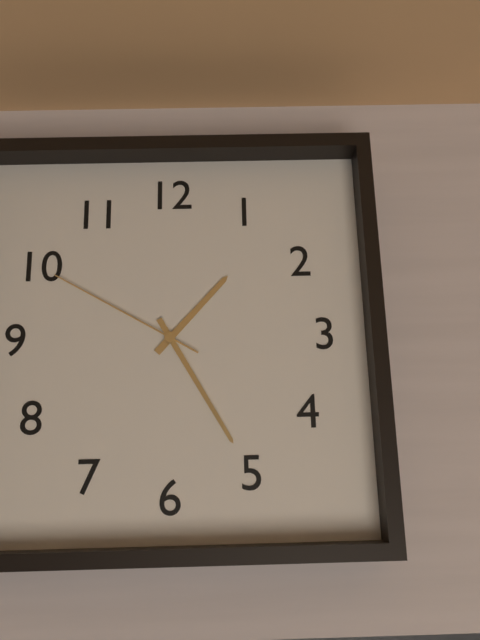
h=1 m=25 s=50
